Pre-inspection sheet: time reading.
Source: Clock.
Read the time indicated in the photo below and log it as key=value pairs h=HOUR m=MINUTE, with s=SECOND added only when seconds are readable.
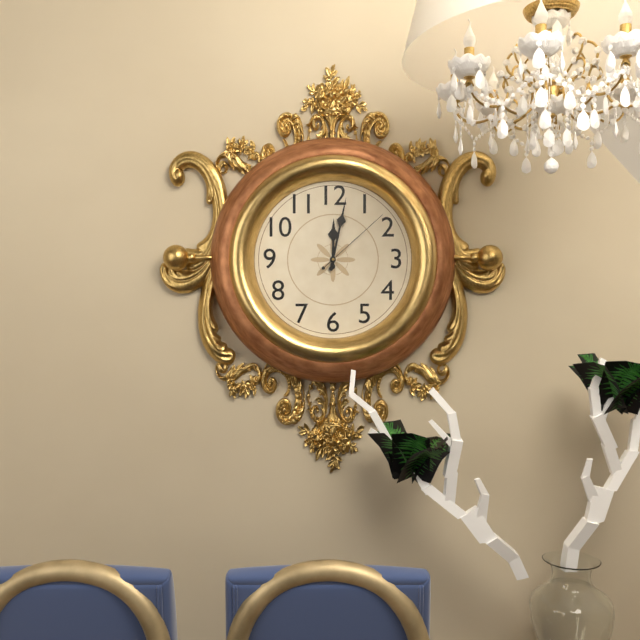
h=12 m=2 s=8
